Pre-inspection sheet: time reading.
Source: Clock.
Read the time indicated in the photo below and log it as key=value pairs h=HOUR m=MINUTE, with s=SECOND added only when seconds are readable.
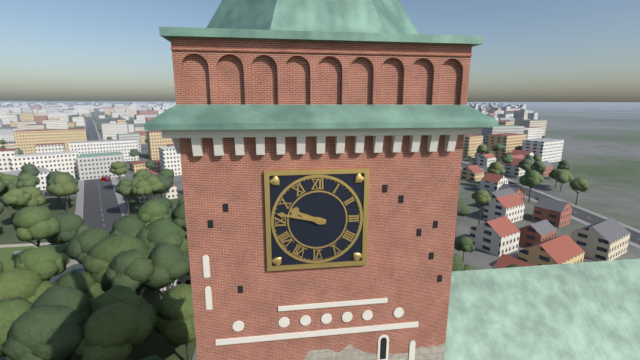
h=9 m=47
